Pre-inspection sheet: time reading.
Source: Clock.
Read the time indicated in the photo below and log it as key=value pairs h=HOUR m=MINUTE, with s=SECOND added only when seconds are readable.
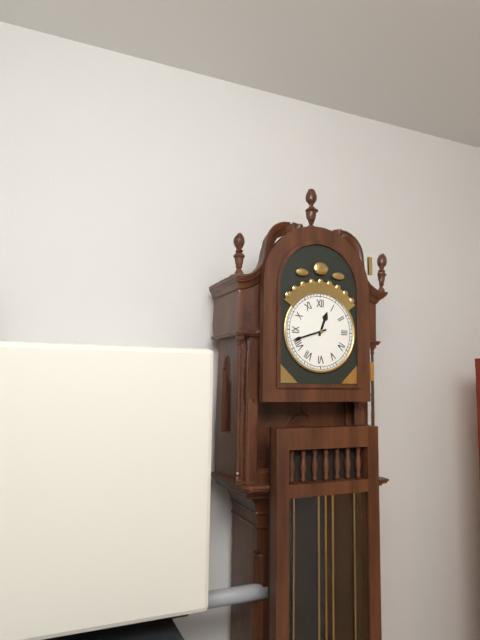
h=12 m=42
